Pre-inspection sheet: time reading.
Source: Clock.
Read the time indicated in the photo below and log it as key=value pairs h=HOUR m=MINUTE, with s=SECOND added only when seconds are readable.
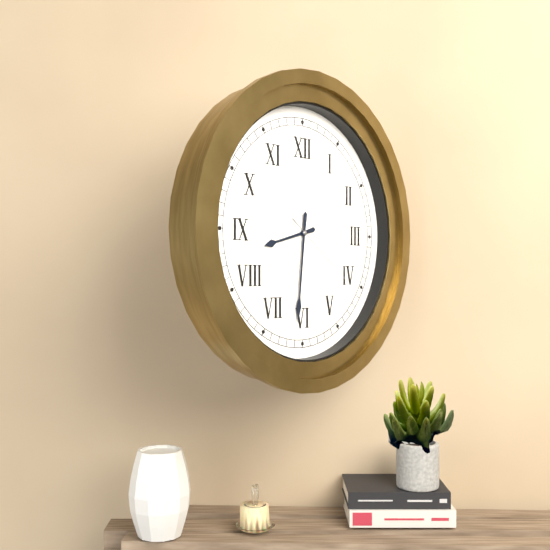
h=8 m=31 s=21
